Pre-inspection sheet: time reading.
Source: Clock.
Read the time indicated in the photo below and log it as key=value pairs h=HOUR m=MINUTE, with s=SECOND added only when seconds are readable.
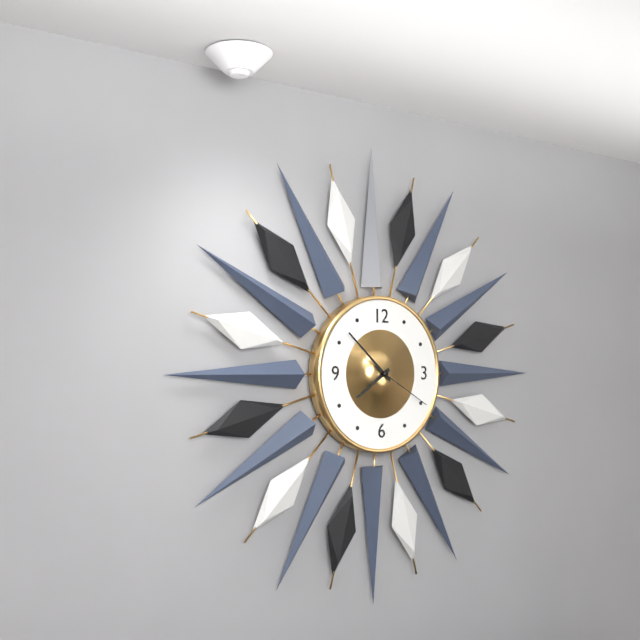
h=7 m=52 s=20
